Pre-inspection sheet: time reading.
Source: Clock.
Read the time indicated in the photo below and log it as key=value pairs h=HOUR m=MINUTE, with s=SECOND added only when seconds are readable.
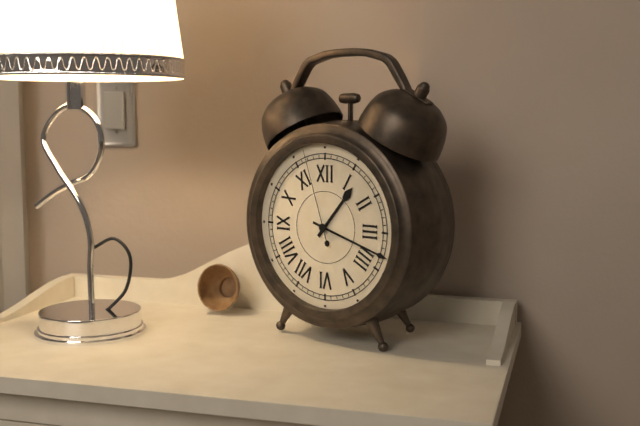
h=1 m=18 s=57
